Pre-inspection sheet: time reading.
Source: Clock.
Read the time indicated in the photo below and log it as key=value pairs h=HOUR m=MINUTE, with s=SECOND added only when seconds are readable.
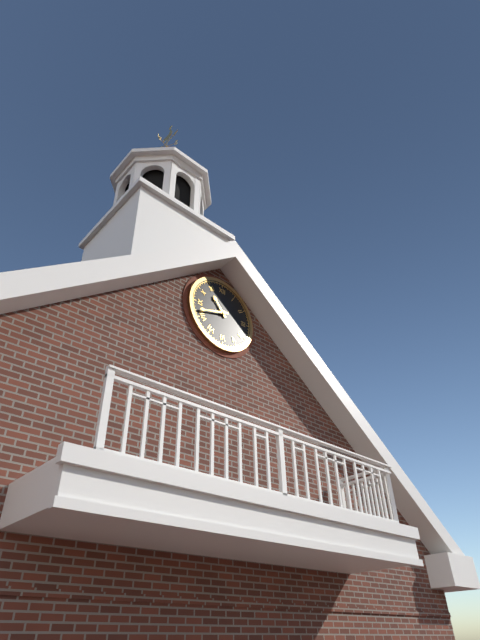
h=10 m=42
